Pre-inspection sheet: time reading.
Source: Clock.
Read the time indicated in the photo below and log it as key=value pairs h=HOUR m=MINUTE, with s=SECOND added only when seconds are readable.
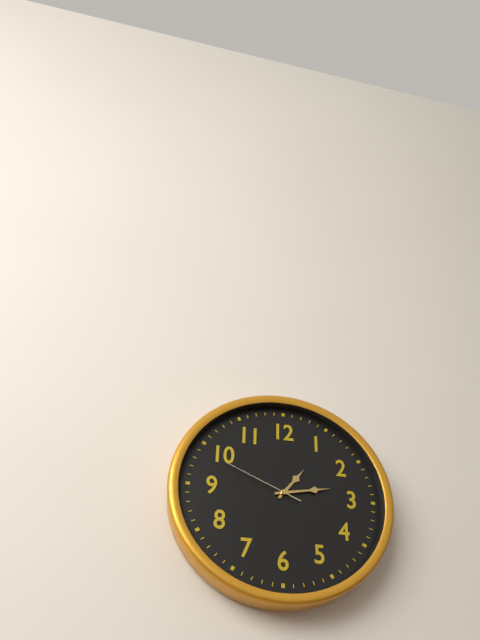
h=1 m=13 s=49
